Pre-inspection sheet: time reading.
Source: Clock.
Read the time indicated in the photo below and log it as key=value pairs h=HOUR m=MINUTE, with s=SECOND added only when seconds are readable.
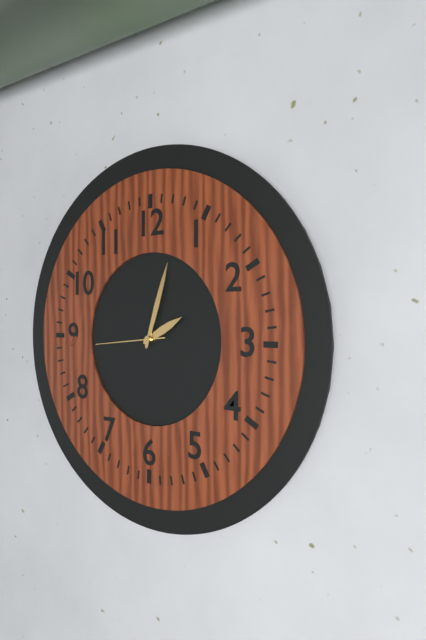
h=2 m=3 s=44
